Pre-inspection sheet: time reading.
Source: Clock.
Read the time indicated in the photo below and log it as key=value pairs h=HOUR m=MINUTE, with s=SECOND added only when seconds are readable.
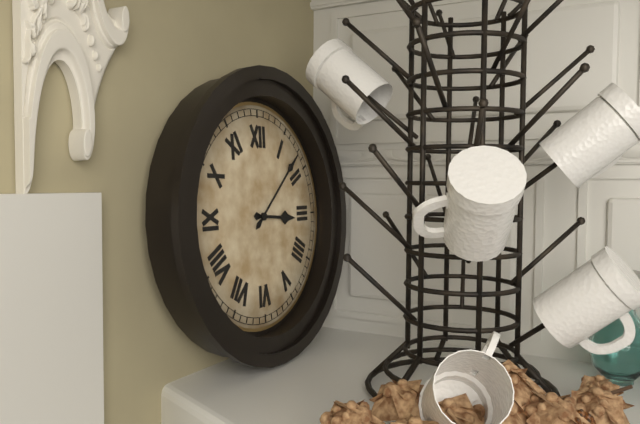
h=3 m=8
